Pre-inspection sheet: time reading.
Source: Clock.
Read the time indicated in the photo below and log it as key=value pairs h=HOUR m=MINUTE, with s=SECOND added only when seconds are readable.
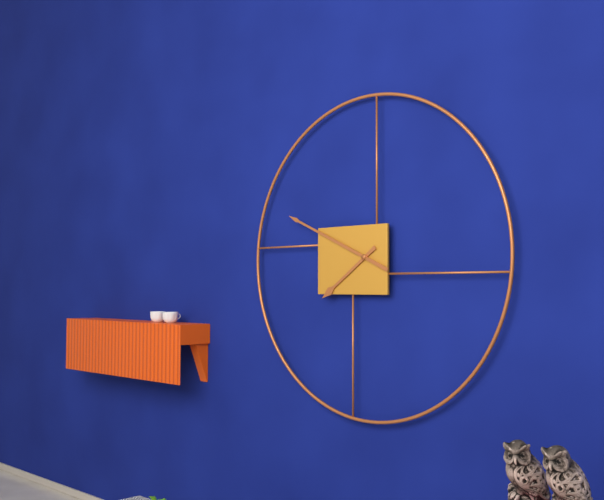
h=7 m=49
